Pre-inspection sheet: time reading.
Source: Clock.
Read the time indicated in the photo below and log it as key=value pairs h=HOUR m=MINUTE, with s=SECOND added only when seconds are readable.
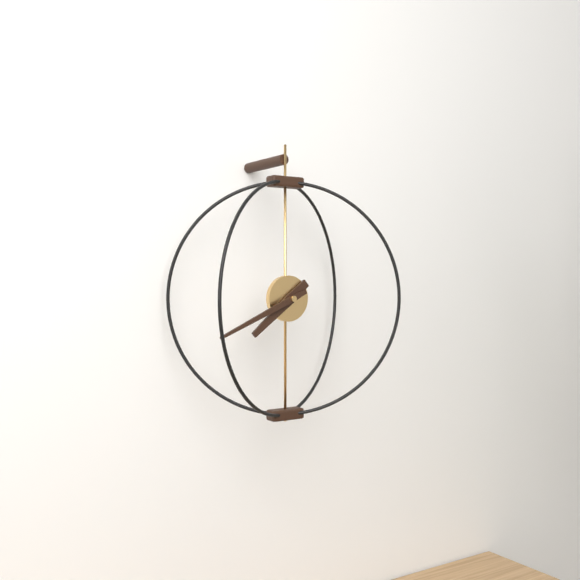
h=7 m=41
